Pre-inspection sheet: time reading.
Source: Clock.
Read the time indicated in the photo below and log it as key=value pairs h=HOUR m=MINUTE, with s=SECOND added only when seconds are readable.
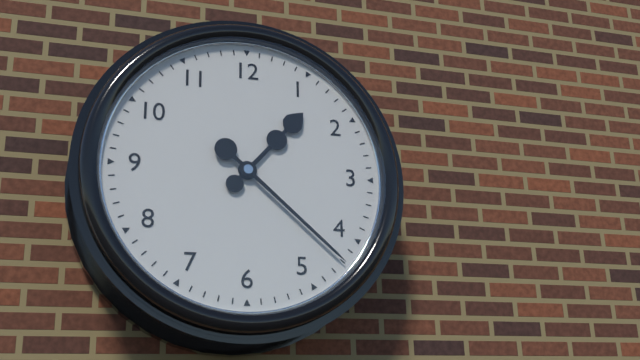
h=1 m=22
